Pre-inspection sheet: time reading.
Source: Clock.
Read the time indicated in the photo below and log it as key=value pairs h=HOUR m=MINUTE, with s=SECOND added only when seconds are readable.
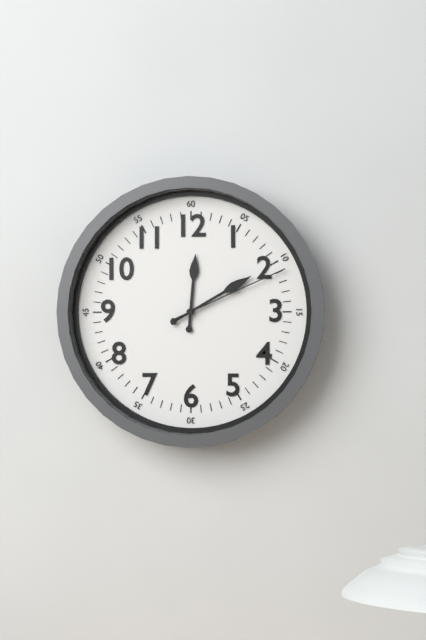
h=12 m=10 s=11
